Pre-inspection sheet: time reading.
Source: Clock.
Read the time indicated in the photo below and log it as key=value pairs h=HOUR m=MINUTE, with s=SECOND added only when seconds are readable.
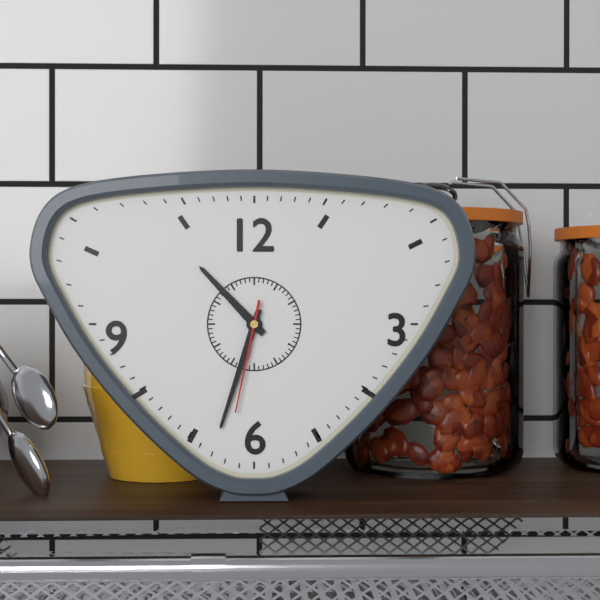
h=10 m=33 s=32
